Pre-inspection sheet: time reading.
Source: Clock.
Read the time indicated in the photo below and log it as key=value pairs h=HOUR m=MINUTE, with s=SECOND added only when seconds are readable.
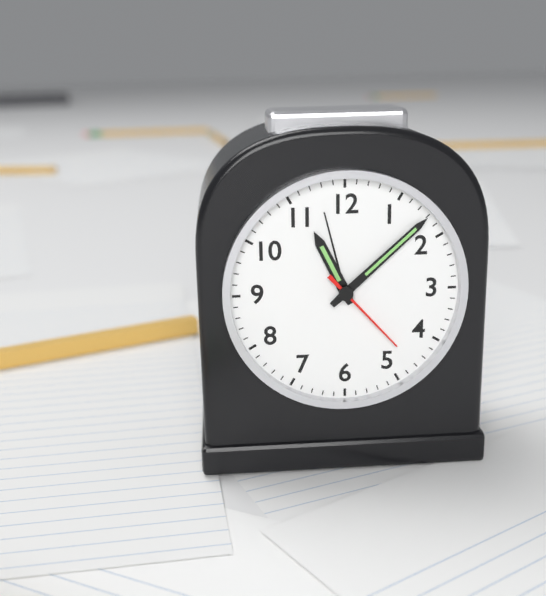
h=11 m=8 s=23
